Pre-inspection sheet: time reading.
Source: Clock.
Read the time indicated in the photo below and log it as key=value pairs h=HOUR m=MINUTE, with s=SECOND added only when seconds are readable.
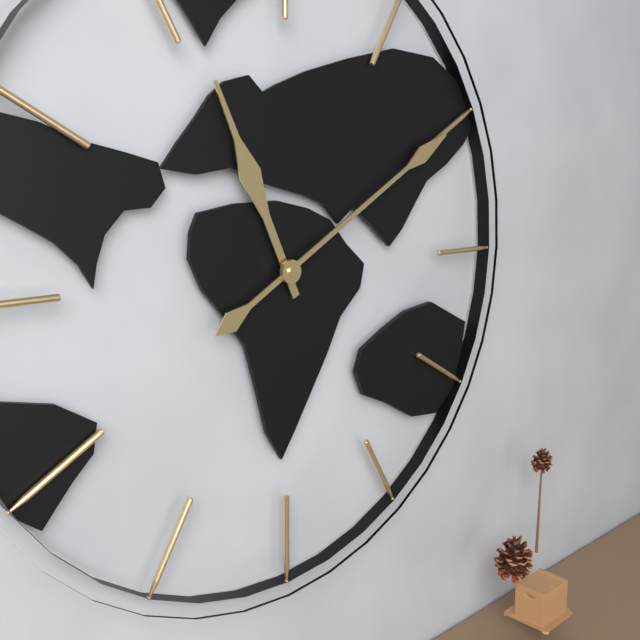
h=11 m=10
